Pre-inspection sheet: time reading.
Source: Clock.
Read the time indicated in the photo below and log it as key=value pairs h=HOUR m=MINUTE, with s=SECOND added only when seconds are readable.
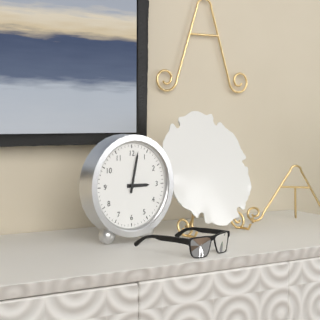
h=3 m=2
